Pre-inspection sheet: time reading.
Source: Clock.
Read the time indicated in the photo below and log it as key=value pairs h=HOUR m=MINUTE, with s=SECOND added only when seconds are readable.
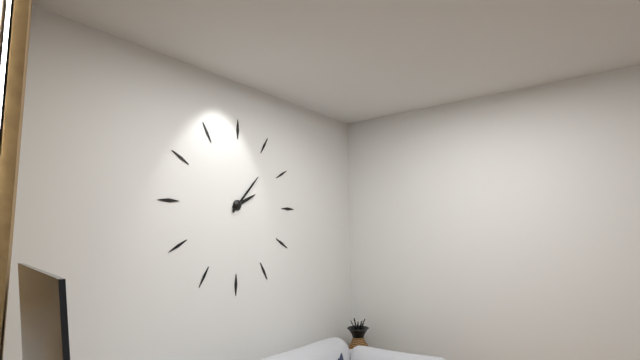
h=2 m=7
